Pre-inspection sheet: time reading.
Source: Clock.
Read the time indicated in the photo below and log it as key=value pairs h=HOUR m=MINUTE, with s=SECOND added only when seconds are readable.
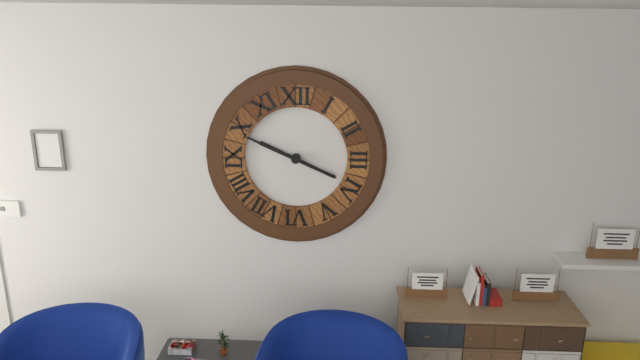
h=3 m=49
